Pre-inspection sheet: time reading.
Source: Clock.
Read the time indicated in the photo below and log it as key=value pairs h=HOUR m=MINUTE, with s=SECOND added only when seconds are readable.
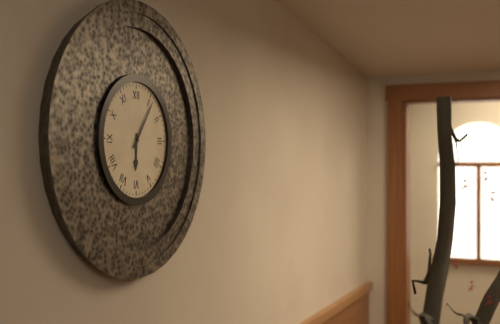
h=6 m=6
